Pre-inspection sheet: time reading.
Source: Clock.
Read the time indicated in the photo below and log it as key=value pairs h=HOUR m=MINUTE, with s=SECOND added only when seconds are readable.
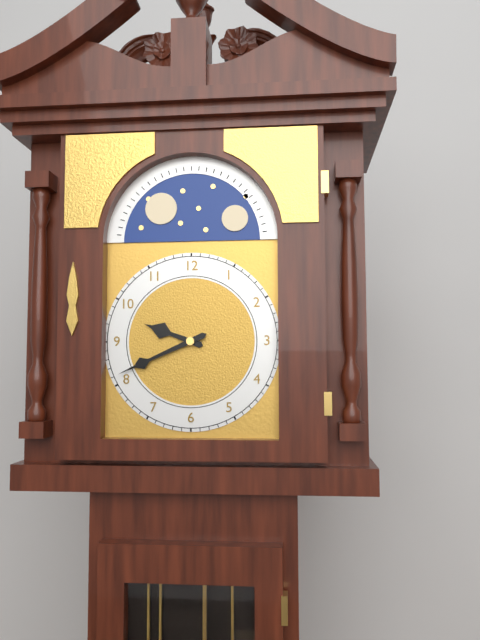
h=9 m=41
